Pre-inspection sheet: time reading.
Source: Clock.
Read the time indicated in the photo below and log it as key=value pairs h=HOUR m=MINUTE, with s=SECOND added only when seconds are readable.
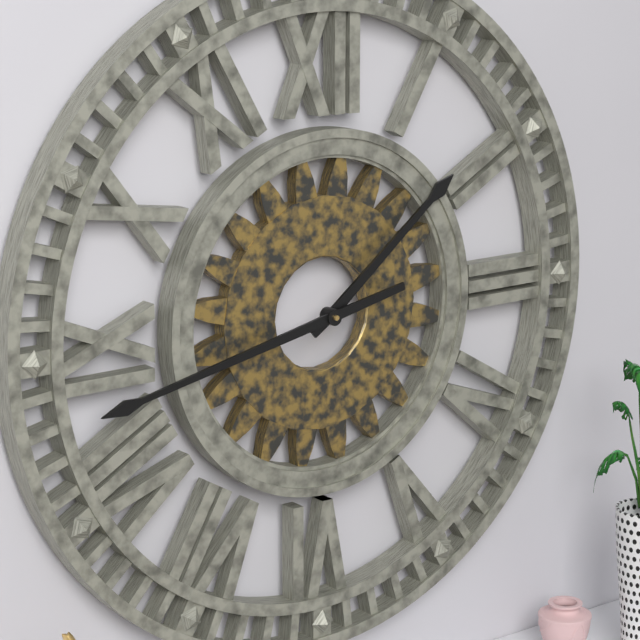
h=1 m=43
